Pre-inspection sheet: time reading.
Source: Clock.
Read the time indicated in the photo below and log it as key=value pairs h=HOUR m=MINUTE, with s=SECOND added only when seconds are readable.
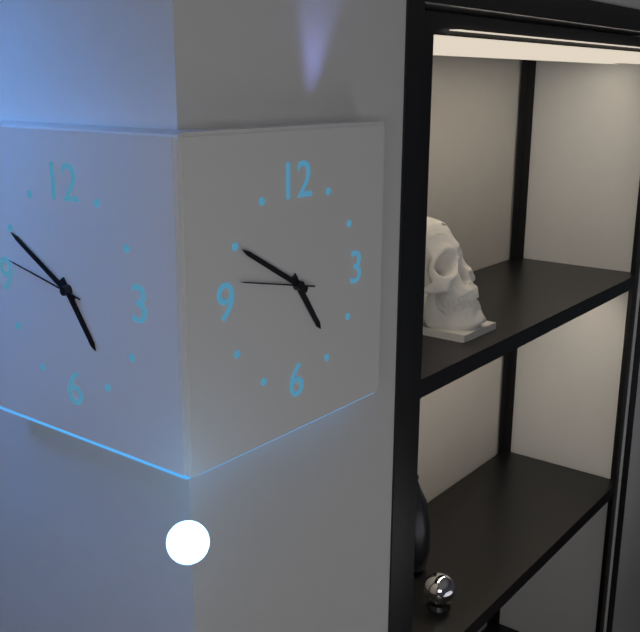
h=4 m=50 s=47
